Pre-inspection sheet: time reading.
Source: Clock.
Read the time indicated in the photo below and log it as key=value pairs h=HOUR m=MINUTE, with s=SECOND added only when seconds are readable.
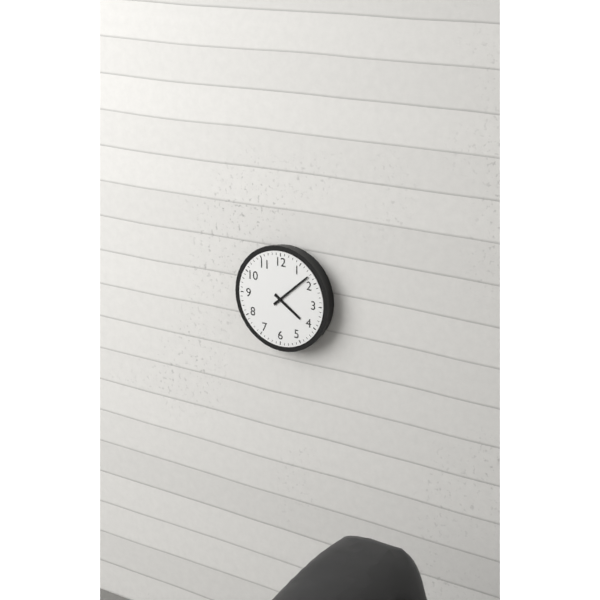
h=4 m=8
